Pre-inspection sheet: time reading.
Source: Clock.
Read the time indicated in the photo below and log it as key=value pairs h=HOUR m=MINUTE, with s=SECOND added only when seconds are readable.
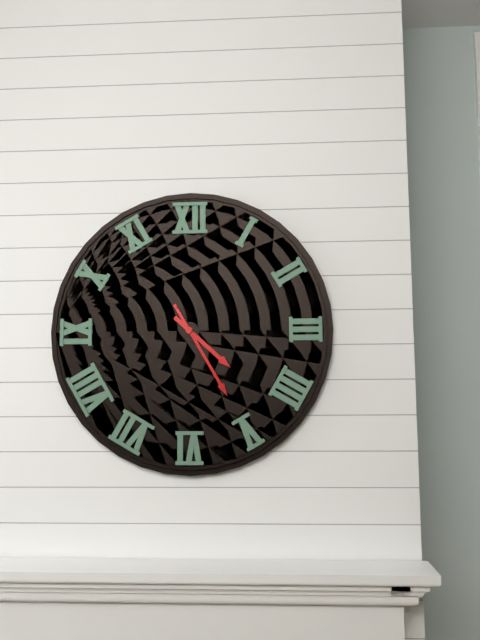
h=4 m=25
